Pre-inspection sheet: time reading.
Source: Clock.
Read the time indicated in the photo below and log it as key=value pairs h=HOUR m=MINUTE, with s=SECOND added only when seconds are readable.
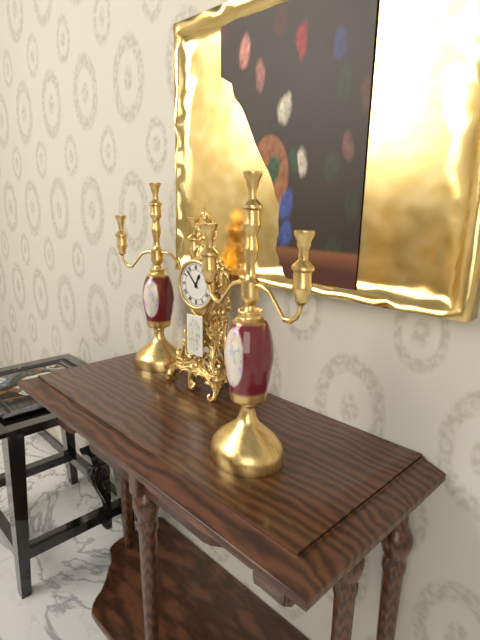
h=12 m=53
